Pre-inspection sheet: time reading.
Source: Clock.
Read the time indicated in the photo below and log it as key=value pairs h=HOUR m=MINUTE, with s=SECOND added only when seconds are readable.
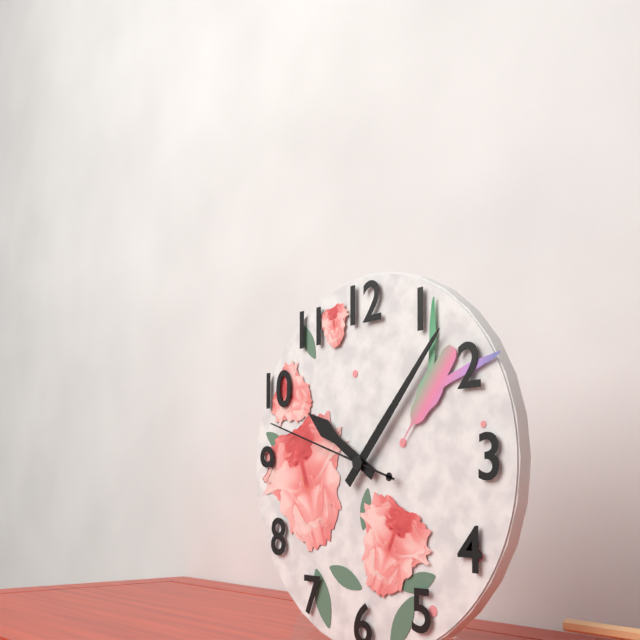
h=10 m=7 s=48
